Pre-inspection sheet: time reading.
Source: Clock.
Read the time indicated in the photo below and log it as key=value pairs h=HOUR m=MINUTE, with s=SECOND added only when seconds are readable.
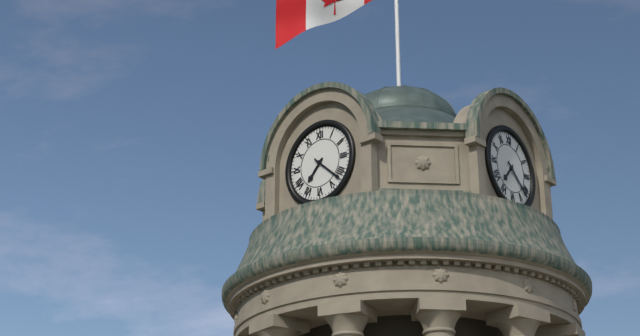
h=7 m=22
